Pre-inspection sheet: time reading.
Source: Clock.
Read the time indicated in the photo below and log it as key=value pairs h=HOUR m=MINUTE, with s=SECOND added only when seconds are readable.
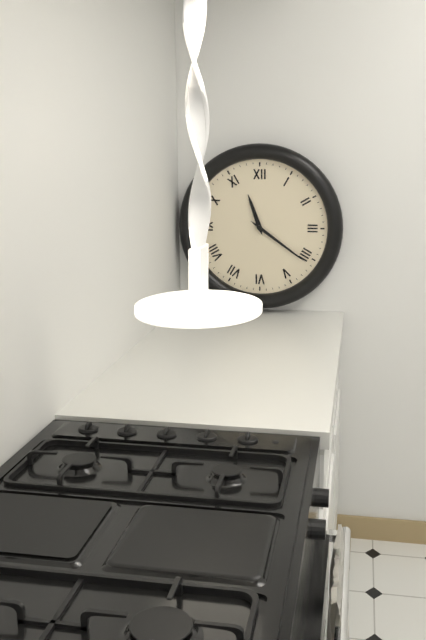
h=11 m=21
